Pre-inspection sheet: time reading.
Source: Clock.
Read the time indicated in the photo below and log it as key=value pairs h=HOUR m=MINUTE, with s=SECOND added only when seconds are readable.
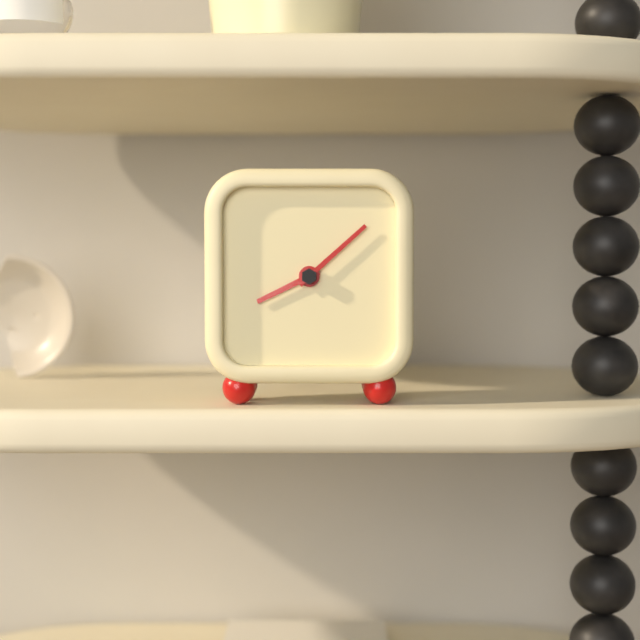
h=8 m=8
